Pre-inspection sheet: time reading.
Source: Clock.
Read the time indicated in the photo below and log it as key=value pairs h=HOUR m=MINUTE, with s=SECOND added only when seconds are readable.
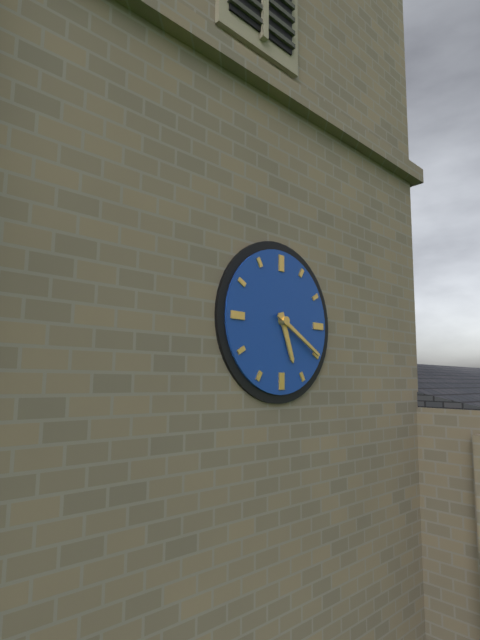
h=5 m=20
